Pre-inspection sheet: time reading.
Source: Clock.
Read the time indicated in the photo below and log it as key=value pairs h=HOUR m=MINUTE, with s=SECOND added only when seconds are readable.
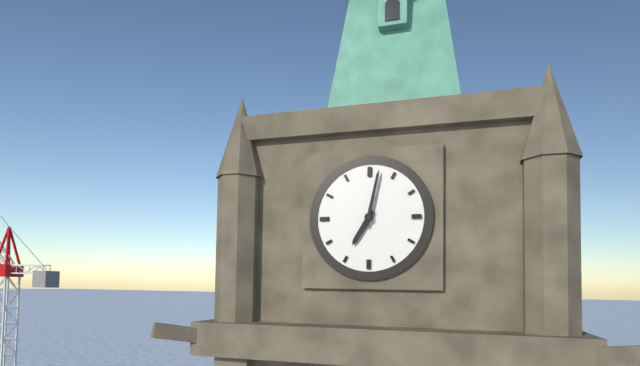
h=7 m=2
